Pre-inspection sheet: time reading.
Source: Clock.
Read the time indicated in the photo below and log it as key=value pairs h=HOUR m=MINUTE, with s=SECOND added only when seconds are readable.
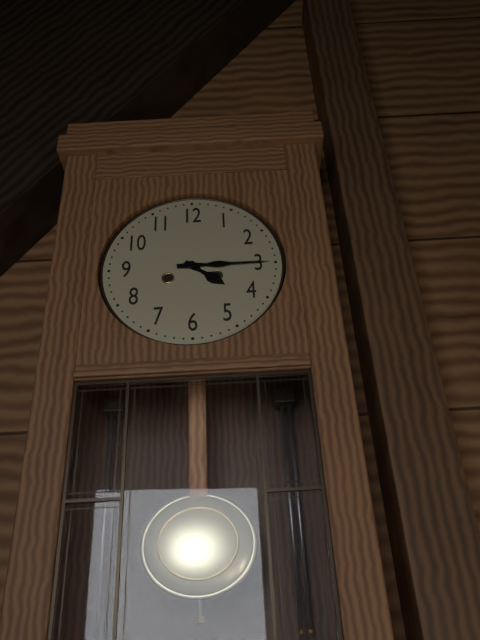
h=4 m=15
